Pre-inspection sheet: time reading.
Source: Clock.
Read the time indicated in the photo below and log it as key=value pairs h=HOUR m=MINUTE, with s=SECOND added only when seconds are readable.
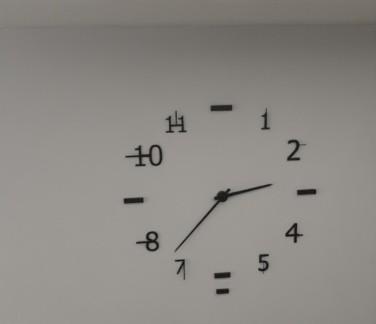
h=2 m=37
